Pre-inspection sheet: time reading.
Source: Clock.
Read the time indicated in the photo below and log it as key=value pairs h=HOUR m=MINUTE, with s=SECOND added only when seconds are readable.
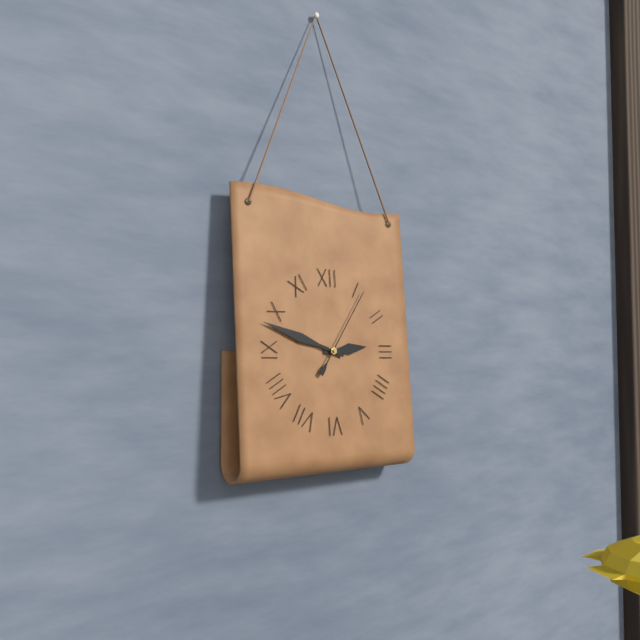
h=2 m=48 s=6
